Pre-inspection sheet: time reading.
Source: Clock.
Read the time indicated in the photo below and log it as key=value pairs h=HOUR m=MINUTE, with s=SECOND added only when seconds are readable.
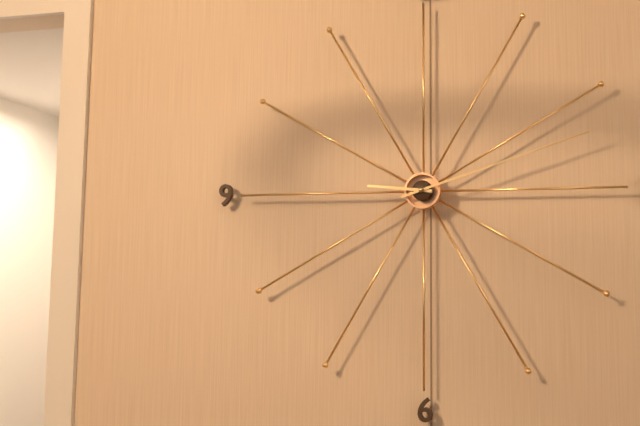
h=9 m=12
